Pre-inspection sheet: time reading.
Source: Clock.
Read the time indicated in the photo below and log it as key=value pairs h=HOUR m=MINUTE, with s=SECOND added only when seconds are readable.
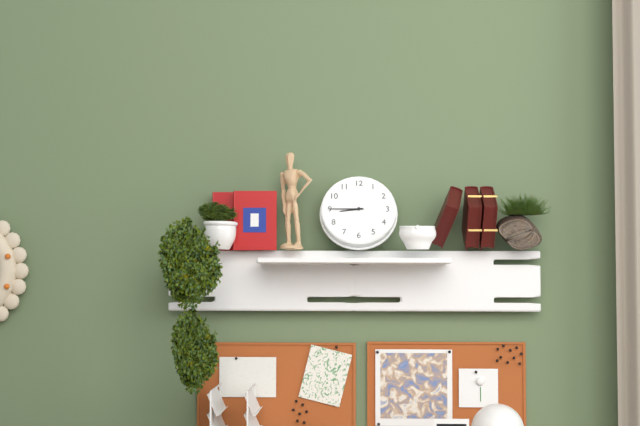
h=8 m=45
